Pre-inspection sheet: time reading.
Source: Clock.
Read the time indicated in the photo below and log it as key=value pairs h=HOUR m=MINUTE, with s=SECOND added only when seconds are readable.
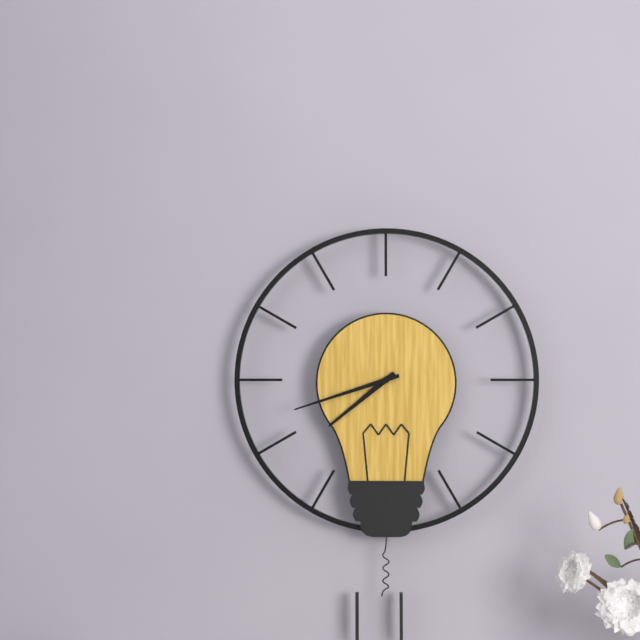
h=7 m=42
